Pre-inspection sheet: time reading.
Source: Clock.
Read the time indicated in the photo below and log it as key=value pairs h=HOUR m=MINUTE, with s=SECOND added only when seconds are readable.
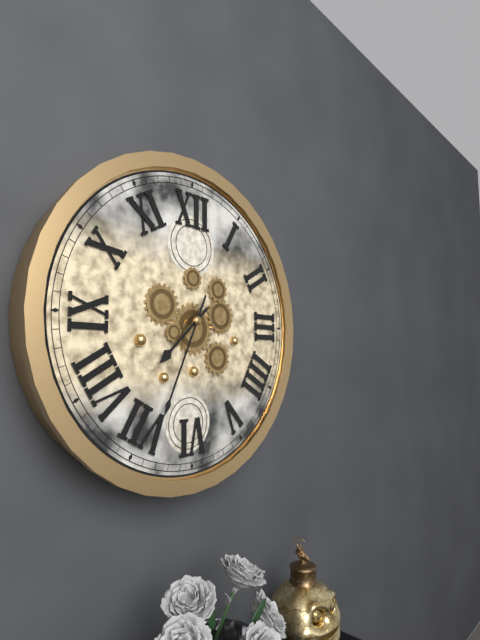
h=7 m=34
